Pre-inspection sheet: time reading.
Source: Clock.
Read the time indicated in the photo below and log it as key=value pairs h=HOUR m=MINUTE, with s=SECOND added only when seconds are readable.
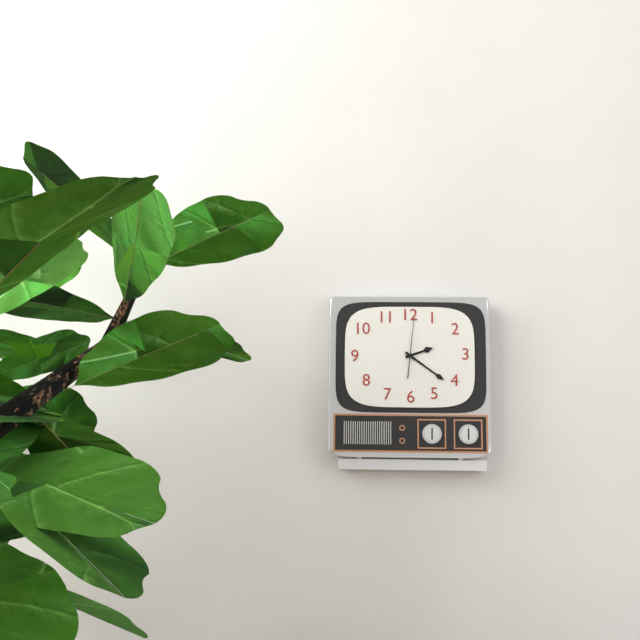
h=2 m=21
